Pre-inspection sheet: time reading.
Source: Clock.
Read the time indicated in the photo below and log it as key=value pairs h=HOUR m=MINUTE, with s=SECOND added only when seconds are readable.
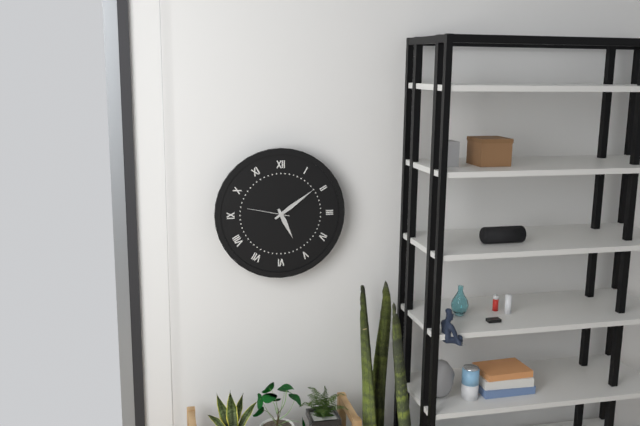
h=5 m=9
